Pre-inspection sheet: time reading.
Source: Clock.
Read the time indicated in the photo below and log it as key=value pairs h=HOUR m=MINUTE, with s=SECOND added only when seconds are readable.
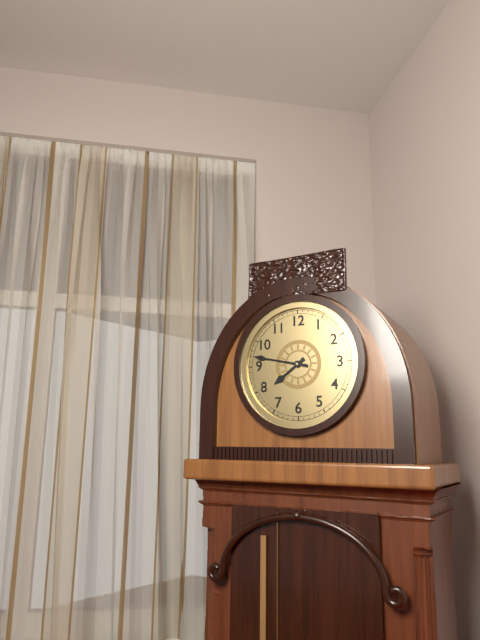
h=7 m=47
